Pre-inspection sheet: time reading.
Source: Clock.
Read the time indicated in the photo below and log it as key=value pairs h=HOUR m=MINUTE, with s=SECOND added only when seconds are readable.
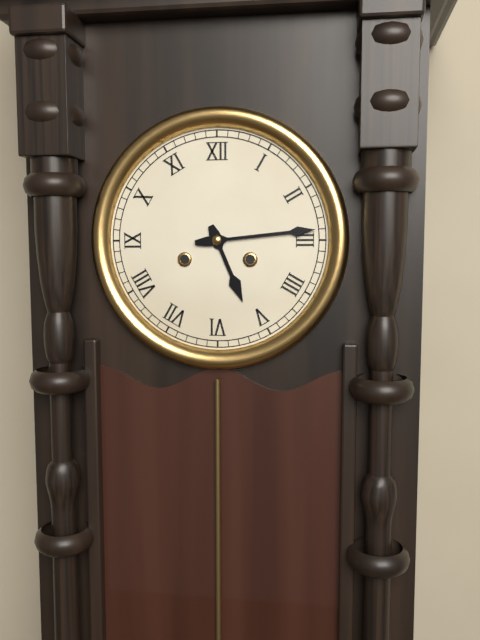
h=5 m=14
